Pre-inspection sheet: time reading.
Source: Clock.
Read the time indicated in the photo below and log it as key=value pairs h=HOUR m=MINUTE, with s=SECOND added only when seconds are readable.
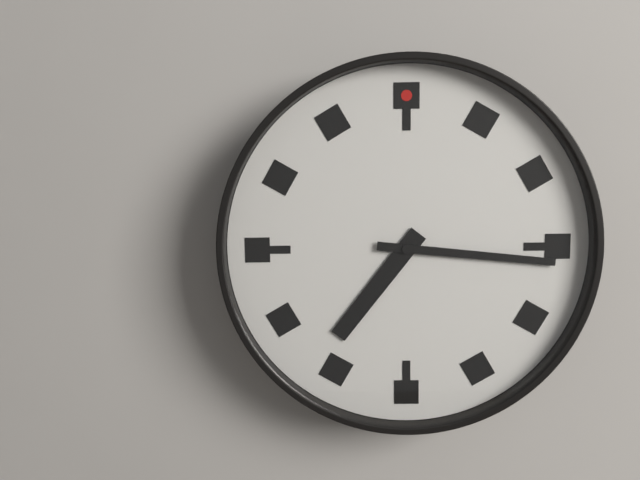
h=7 m=16
